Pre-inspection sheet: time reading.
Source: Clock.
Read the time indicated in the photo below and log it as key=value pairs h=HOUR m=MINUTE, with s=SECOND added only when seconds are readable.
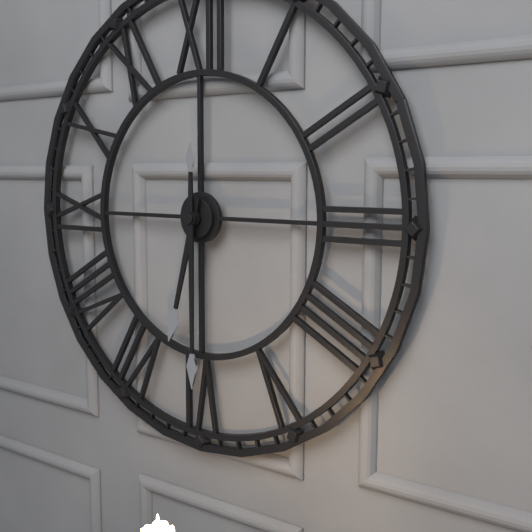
h=6 m=30
